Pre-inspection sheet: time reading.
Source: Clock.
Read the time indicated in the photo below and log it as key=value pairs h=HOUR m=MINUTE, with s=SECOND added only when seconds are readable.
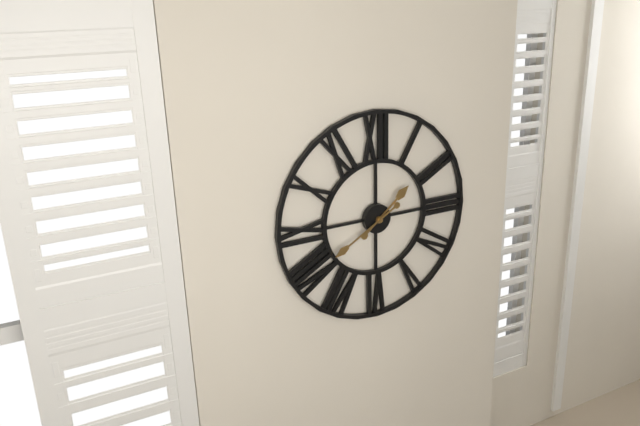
h=1 m=40
